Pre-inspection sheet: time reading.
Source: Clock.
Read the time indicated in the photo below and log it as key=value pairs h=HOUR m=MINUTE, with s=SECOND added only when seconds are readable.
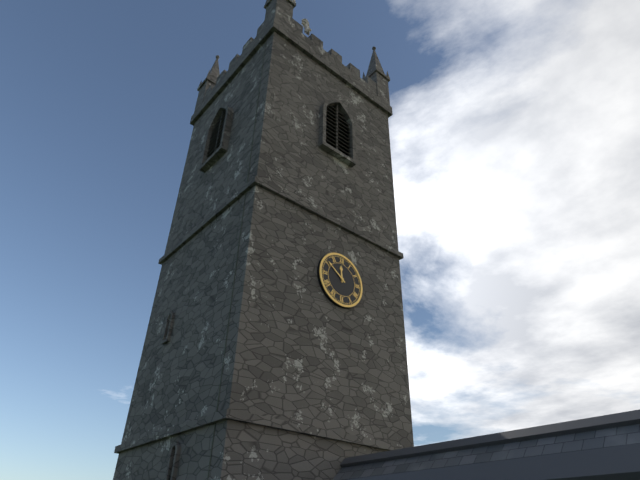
h=11 m=51
